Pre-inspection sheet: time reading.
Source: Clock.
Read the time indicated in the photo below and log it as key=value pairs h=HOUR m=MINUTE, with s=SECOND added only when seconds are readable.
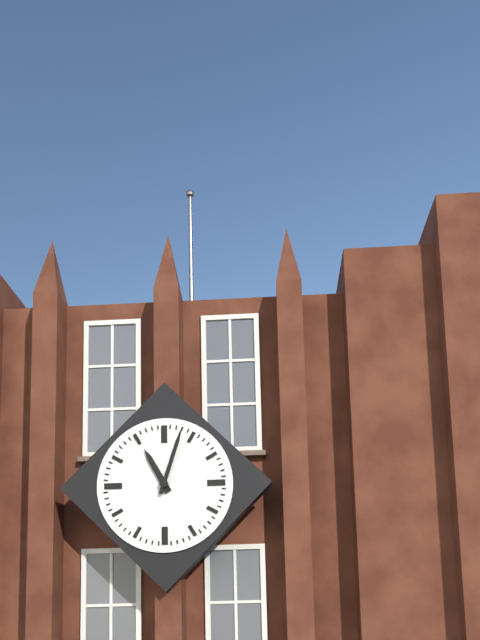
h=11 m=3
